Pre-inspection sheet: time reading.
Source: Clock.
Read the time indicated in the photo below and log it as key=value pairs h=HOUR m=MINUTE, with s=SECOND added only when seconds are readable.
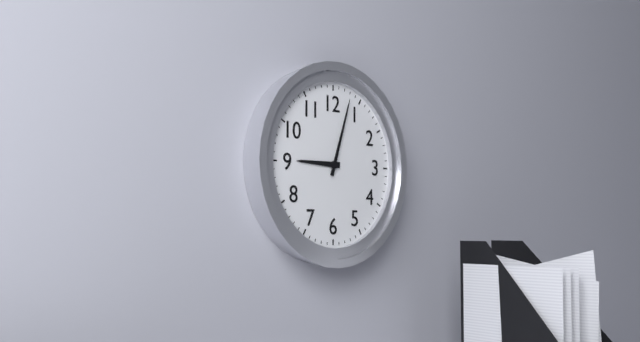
h=9 m=3
